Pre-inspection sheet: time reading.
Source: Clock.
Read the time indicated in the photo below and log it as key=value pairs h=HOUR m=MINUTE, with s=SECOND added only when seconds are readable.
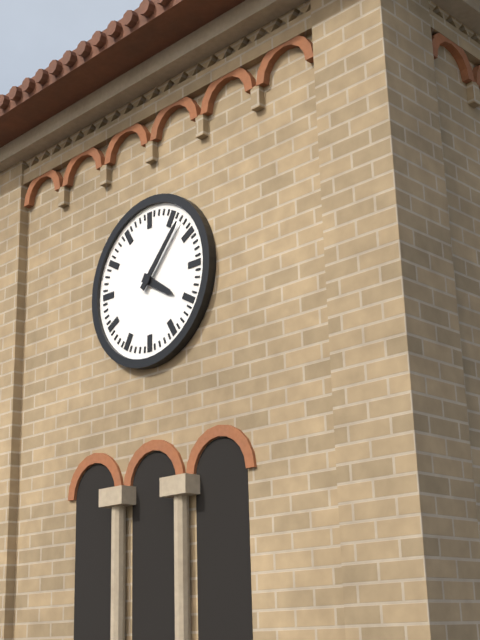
h=4 m=7
